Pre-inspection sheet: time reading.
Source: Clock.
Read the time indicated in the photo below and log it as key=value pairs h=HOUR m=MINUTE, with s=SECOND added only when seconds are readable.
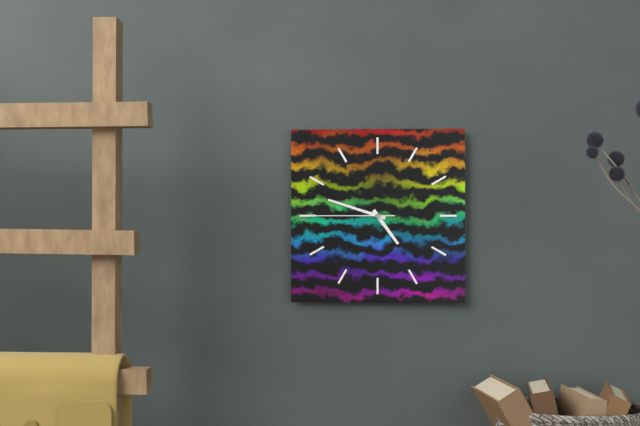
h=4 m=48 s=45
